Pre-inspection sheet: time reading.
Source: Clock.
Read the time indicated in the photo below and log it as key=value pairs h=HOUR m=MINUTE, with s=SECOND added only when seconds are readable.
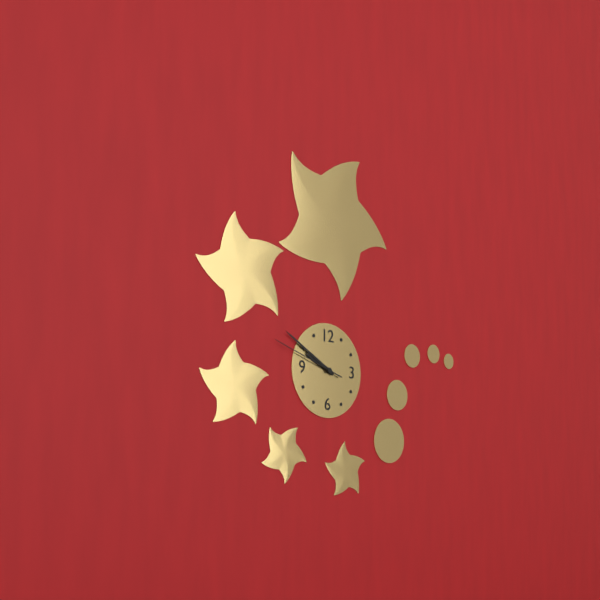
h=9 m=50 s=48
